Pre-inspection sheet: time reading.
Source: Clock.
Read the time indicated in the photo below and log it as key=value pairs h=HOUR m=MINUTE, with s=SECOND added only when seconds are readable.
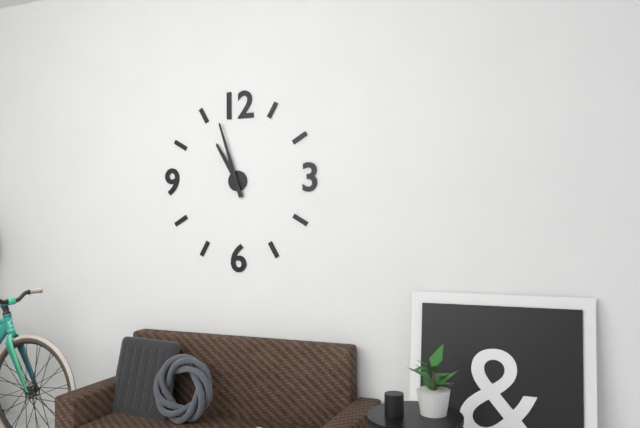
h=10 m=57
